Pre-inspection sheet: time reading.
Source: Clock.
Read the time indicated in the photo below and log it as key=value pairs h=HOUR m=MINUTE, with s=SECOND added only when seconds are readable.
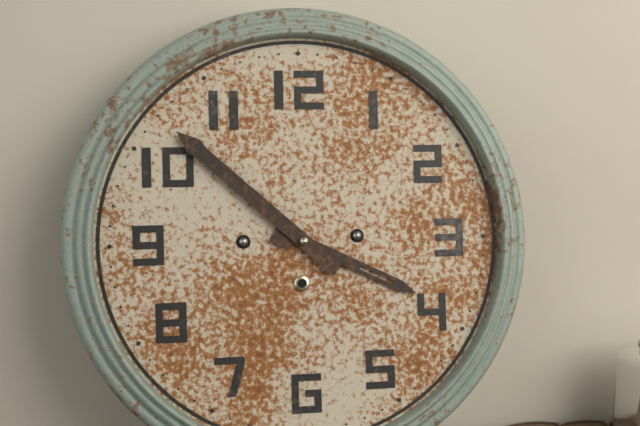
h=3 m=52
